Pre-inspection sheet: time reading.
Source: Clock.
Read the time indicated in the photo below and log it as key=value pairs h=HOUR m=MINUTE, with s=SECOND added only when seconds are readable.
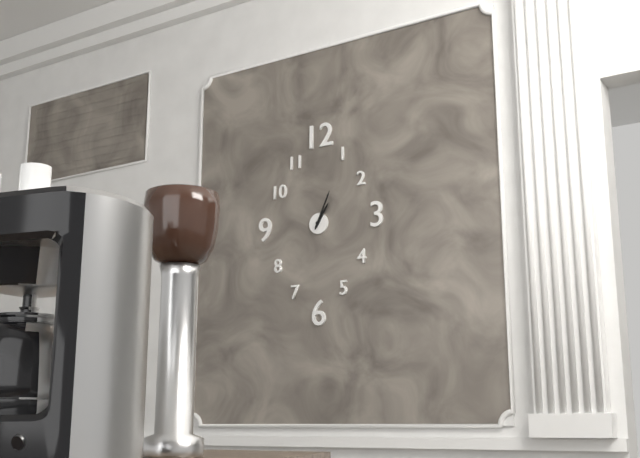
h=1 m=4
